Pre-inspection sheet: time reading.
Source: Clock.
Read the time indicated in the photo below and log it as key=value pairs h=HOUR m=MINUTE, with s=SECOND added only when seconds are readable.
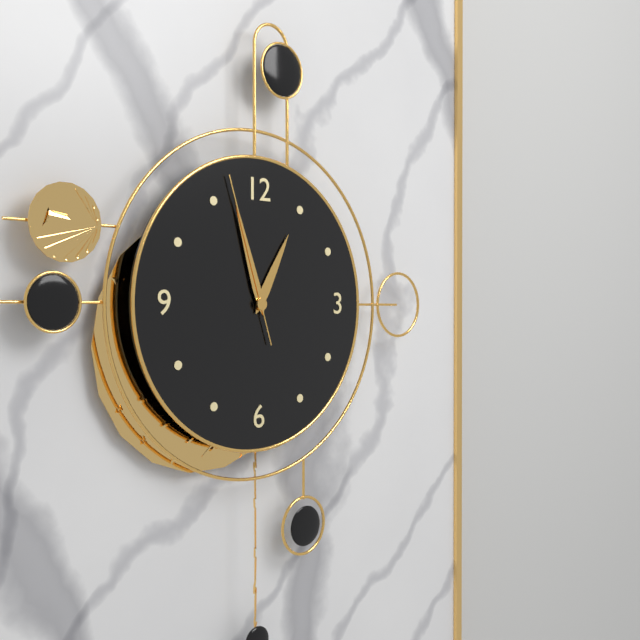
h=12 m=57 s=57
